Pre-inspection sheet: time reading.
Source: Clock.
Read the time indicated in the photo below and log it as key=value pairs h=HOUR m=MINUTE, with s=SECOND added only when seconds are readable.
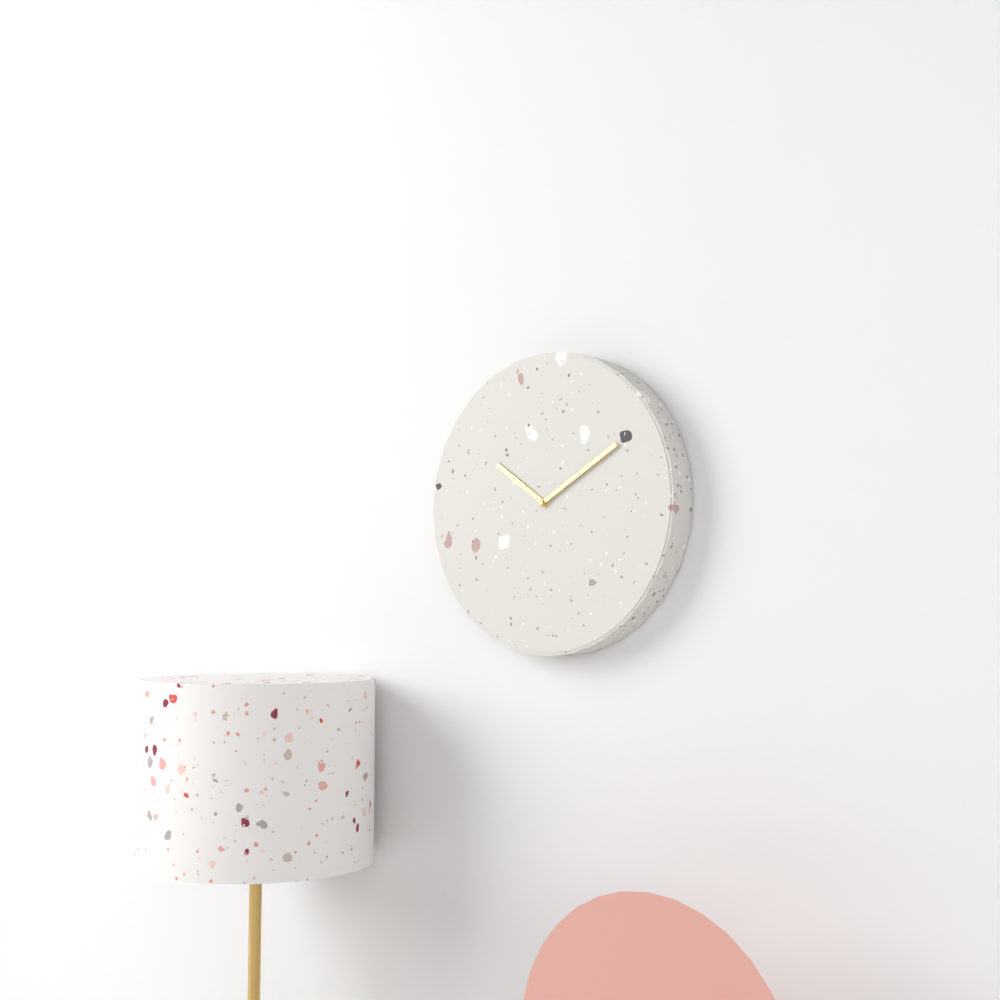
h=10 m=10
